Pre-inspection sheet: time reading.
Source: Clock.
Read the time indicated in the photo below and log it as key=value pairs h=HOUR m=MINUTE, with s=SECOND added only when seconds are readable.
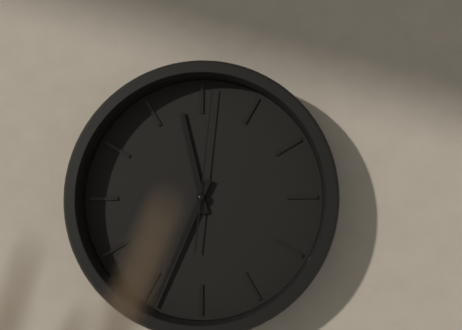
h=11 m=34 s=1
